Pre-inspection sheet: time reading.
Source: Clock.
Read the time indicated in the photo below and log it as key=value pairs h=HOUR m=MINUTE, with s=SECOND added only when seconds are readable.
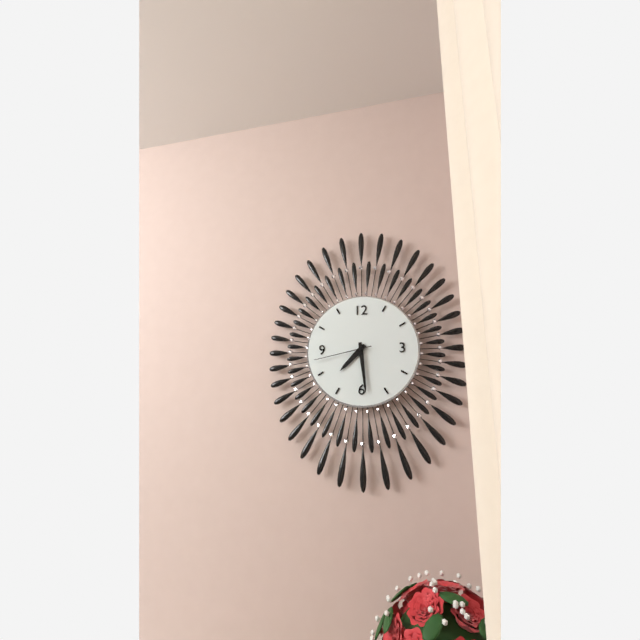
h=7 m=29 s=43
